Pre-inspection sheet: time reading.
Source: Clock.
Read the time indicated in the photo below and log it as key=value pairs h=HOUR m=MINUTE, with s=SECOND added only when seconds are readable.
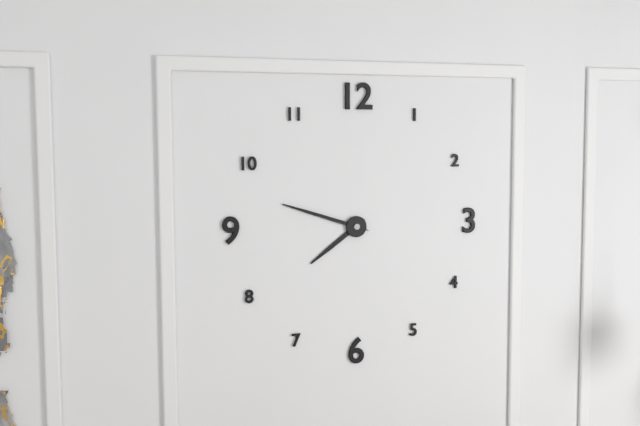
h=7 m=48
